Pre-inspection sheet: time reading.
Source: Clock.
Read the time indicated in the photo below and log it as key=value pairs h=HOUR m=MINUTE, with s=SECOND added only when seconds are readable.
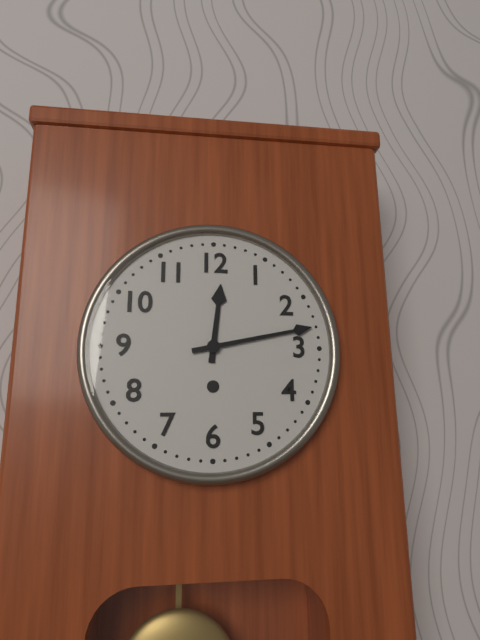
h=12 m=13
